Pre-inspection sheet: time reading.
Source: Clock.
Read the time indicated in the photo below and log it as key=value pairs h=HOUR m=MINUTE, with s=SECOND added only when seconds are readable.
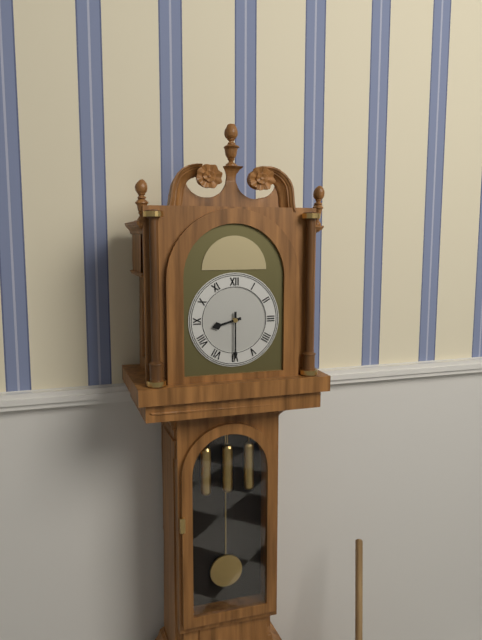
h=8 m=30
